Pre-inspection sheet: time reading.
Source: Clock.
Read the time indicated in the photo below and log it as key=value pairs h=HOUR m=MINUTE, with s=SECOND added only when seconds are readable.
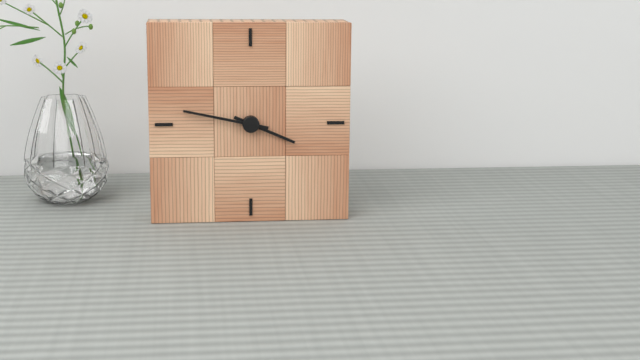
h=3 m=47
